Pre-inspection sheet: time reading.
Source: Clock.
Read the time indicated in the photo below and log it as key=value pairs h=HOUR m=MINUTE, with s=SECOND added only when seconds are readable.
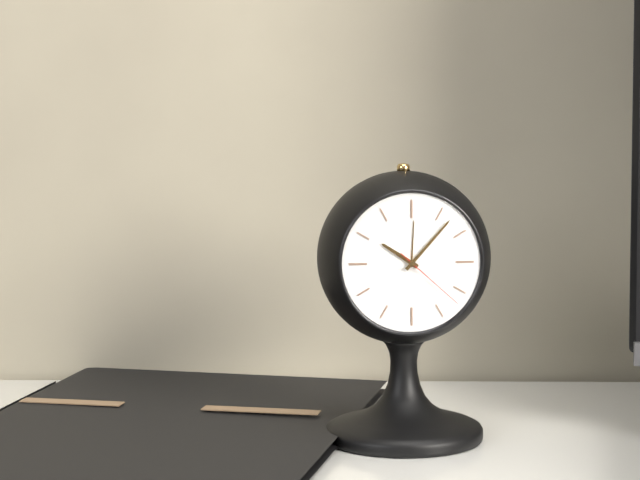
h=10 m=7 s=22
